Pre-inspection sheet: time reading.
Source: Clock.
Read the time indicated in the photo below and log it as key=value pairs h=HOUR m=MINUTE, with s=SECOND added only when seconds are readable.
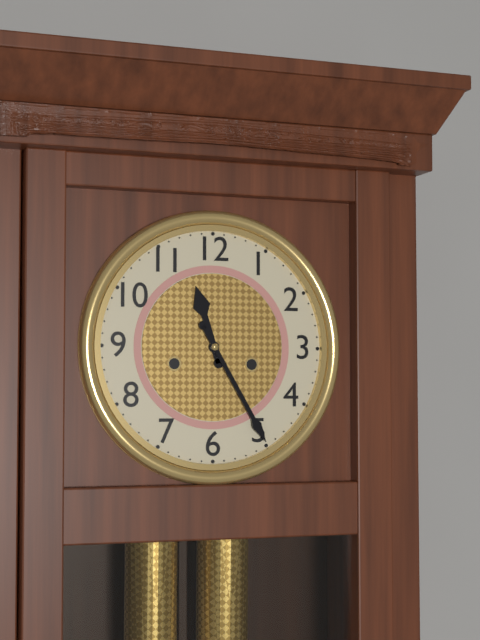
h=11 m=25
